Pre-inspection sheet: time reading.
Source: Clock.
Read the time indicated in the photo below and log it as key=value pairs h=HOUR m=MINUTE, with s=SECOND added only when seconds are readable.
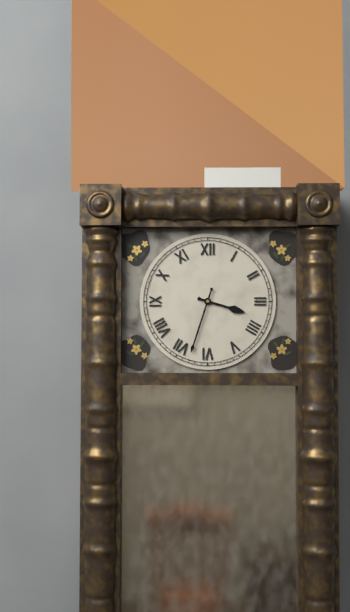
h=3 m=33
